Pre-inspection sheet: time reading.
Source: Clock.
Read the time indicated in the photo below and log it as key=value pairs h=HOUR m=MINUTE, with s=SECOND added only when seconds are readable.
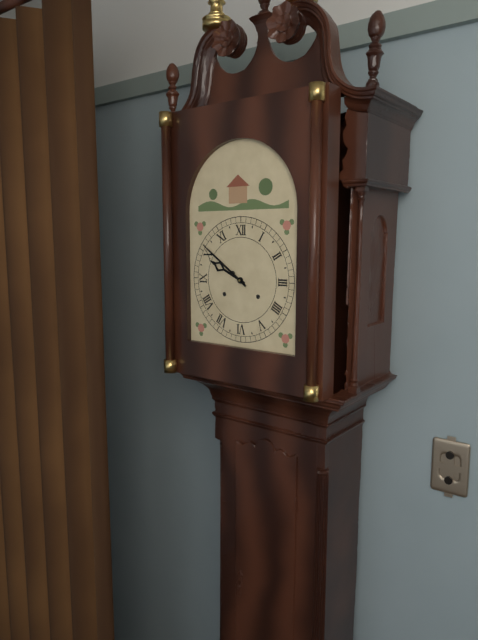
h=9 m=51
